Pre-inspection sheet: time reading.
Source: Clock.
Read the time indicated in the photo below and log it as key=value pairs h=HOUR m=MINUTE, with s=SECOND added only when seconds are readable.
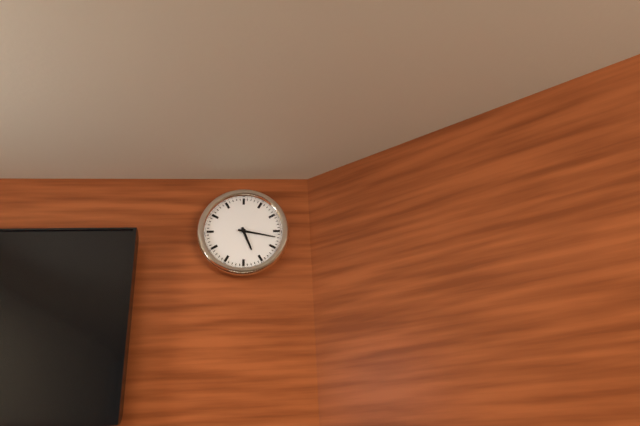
h=5 m=17
